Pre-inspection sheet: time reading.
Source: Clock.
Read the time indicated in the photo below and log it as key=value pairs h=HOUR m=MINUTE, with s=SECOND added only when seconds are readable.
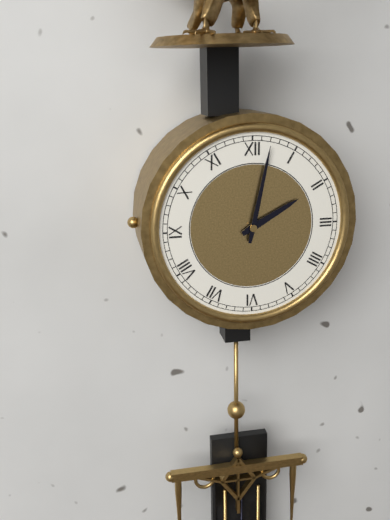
h=2 m=2
